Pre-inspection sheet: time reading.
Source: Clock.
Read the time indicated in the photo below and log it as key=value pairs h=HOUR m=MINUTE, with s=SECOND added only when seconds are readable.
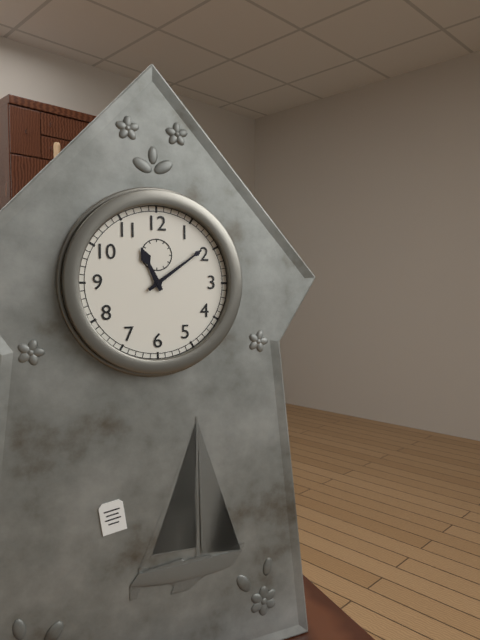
h=11 m=9
